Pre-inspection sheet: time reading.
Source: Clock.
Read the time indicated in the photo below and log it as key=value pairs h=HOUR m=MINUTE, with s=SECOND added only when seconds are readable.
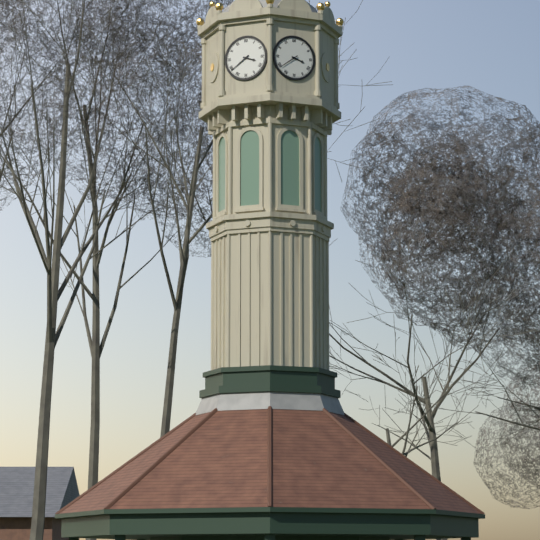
h=3 m=39
